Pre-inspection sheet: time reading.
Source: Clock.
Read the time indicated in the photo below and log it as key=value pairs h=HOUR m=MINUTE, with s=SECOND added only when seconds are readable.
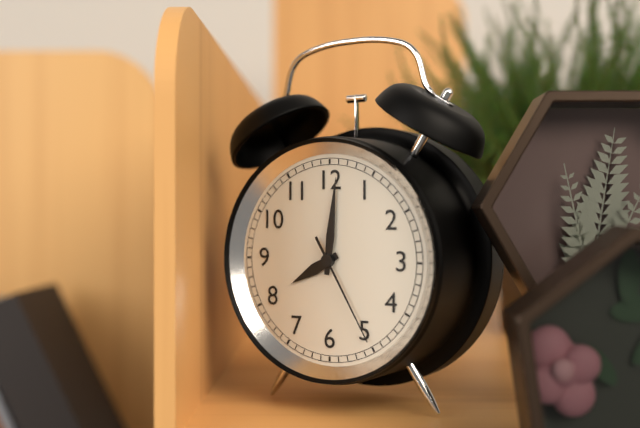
h=8 m=1 s=25
